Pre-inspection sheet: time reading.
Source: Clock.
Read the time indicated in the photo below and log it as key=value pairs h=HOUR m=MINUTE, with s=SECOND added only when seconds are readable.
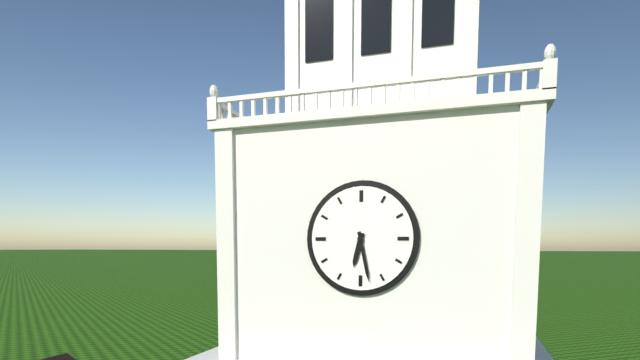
h=6 m=28
